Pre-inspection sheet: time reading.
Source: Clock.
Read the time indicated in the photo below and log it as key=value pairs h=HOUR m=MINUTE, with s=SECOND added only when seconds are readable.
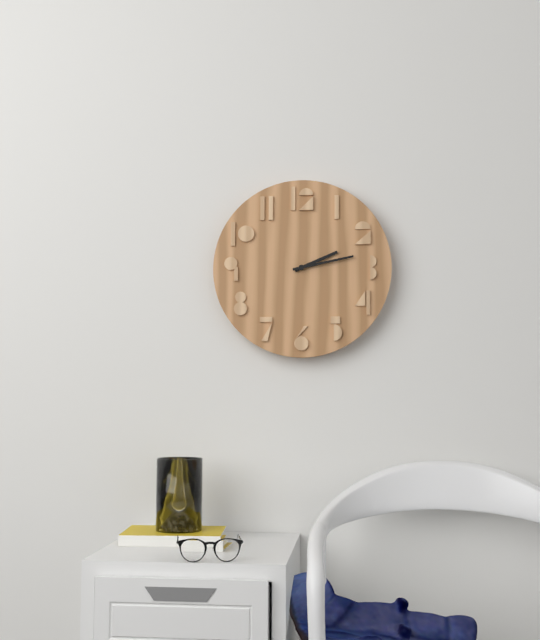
h=2 m=13
